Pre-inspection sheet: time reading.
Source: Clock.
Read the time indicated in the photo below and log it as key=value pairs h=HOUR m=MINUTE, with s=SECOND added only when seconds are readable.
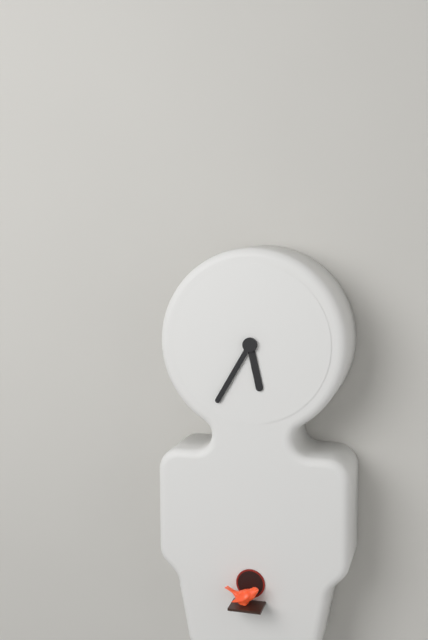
h=5 m=35
